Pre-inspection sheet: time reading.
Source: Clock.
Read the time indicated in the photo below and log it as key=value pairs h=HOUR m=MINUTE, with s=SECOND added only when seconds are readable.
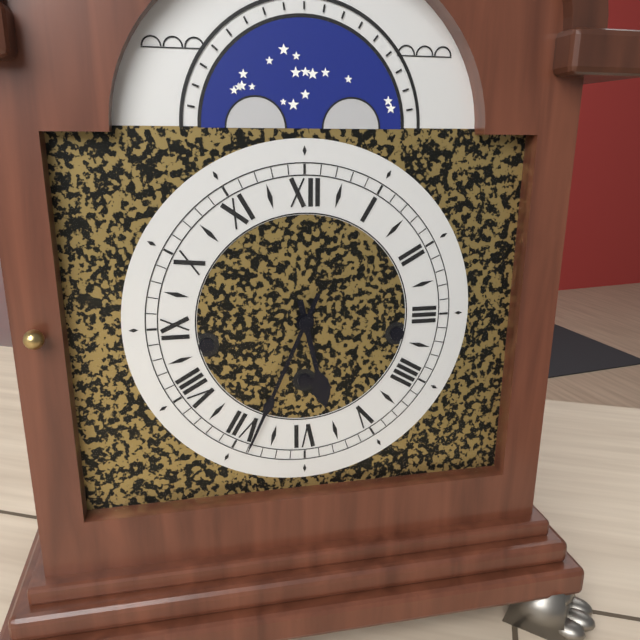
h=5 m=34
